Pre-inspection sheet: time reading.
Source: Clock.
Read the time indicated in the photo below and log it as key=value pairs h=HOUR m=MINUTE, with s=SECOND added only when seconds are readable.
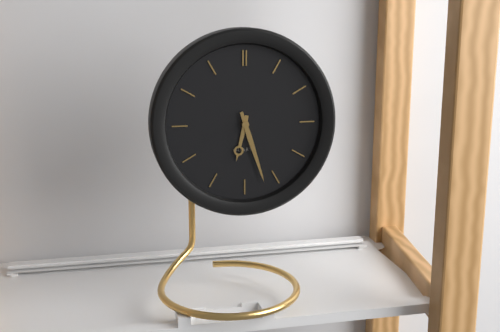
h=6 m=27
